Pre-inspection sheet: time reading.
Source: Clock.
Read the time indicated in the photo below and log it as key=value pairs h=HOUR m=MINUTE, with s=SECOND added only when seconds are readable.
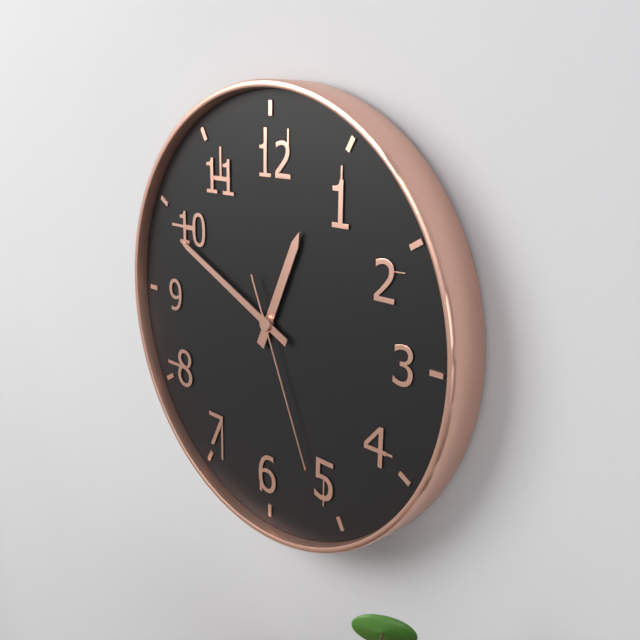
h=12 m=49 s=26
